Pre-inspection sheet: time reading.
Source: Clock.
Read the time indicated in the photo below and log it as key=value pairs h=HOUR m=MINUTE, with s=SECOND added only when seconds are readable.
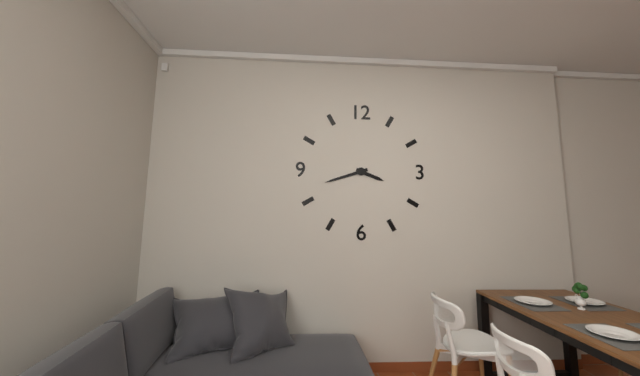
h=3 m=42
